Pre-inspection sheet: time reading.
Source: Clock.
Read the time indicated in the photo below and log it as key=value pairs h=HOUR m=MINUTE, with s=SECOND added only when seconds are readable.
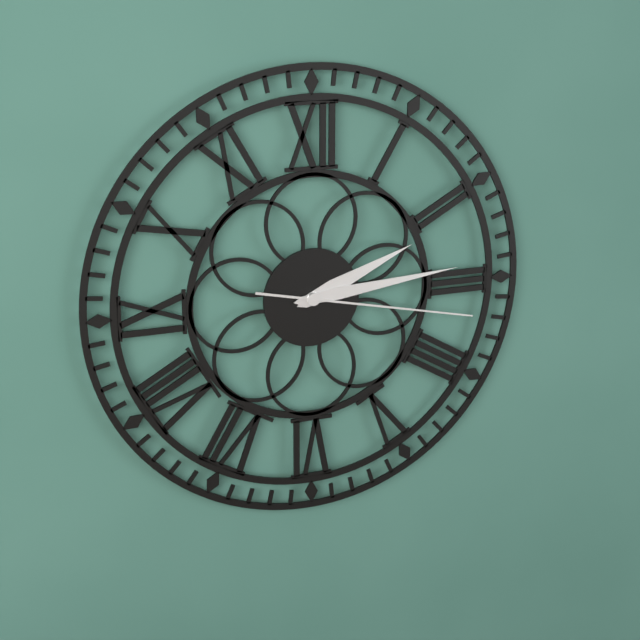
h=2 m=14 s=17
